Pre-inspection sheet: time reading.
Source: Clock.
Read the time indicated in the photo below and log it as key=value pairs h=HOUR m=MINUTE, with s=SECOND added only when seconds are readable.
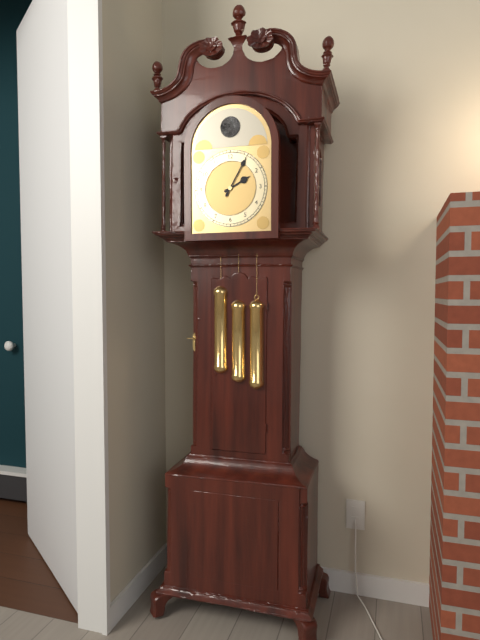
h=2 m=5
